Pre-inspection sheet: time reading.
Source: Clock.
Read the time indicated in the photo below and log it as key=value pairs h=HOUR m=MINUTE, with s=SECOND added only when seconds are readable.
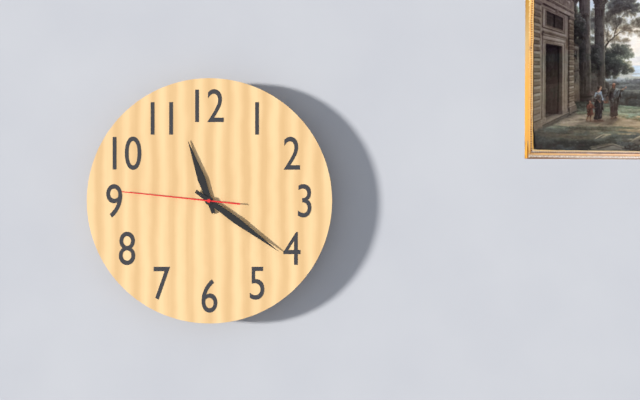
h=11 m=21 s=46
